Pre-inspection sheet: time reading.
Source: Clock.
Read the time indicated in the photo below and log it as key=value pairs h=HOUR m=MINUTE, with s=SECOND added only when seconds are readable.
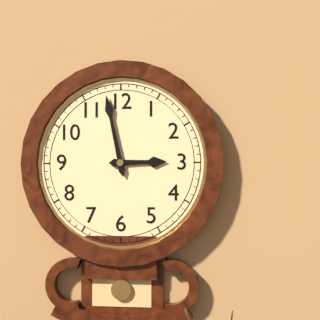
h=2 m=58
